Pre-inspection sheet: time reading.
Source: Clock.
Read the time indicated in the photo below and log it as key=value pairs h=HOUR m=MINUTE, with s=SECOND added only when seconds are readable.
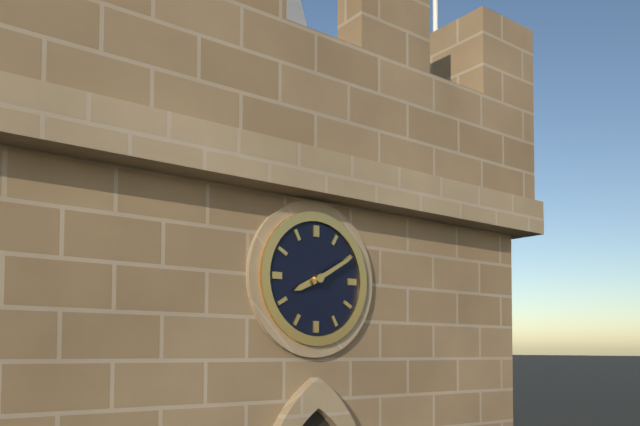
h=8 m=10
